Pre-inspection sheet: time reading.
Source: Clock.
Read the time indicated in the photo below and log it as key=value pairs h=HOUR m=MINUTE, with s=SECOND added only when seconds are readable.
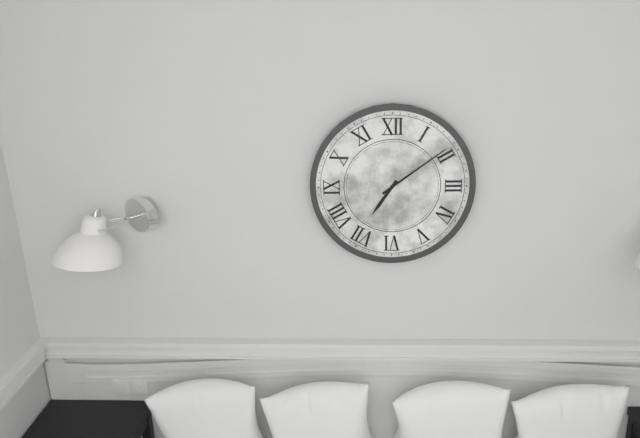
h=7 m=9
